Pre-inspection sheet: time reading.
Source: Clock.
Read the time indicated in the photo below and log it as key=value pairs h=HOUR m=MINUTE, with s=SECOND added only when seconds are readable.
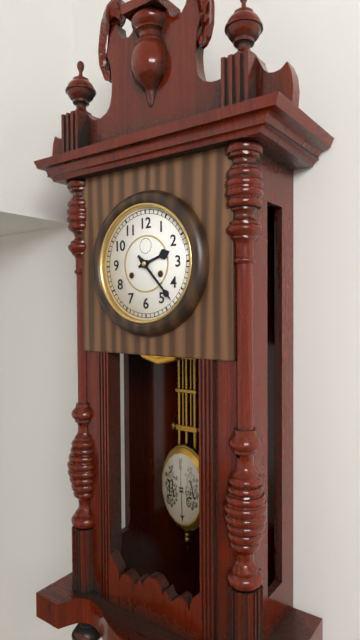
h=2 m=23
